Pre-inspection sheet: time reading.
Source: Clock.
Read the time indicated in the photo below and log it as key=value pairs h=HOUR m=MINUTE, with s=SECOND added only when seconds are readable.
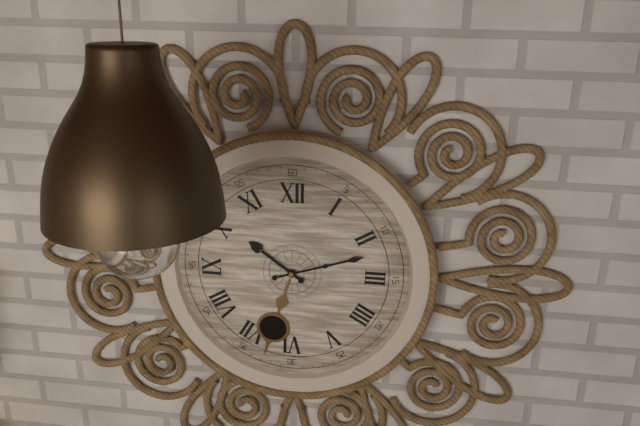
h=10 m=12
